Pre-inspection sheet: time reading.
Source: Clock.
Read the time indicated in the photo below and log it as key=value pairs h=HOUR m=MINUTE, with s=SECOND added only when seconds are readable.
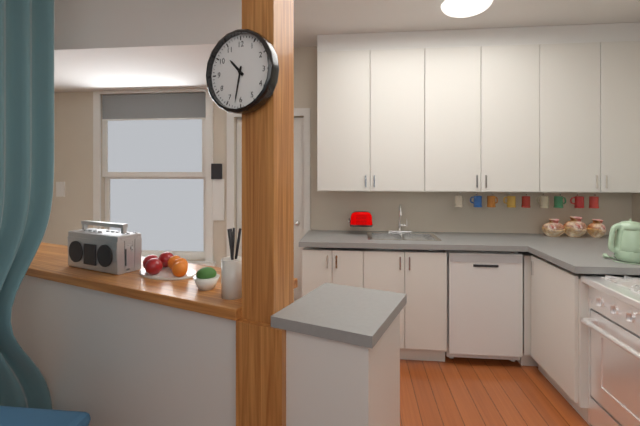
h=10 m=32
